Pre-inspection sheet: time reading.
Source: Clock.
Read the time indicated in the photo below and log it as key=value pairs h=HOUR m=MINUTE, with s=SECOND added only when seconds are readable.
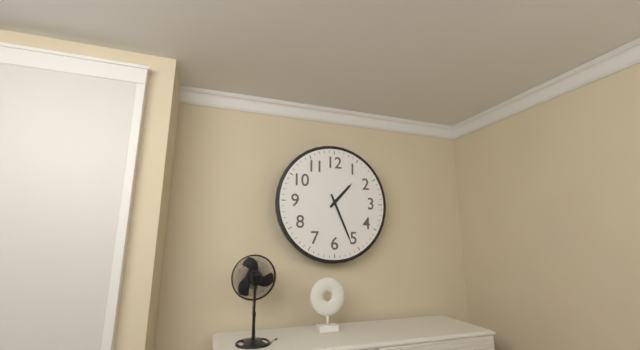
h=1 m=26
